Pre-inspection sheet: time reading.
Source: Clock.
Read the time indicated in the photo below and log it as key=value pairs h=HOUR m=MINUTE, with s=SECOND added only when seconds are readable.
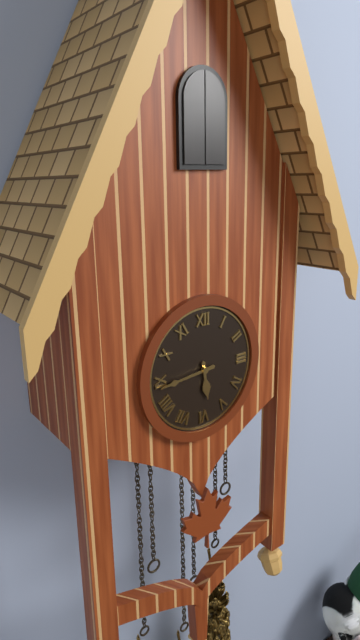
h=5 m=44
